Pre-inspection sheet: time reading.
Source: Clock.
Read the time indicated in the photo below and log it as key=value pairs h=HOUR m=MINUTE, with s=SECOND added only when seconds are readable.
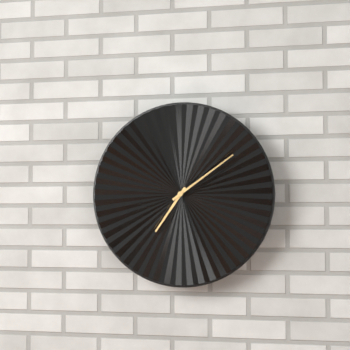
h=7 m=9
